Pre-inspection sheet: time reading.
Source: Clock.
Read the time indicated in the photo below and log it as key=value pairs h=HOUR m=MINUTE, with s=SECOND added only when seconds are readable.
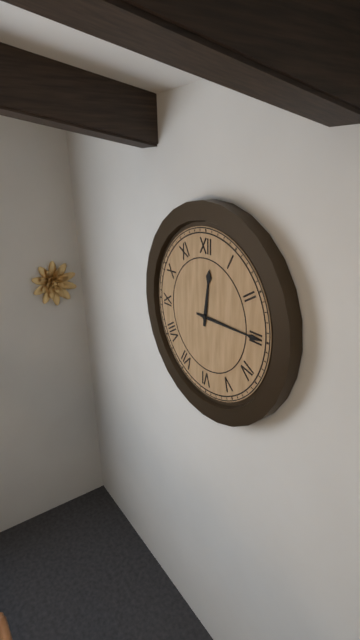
h=12 m=15
